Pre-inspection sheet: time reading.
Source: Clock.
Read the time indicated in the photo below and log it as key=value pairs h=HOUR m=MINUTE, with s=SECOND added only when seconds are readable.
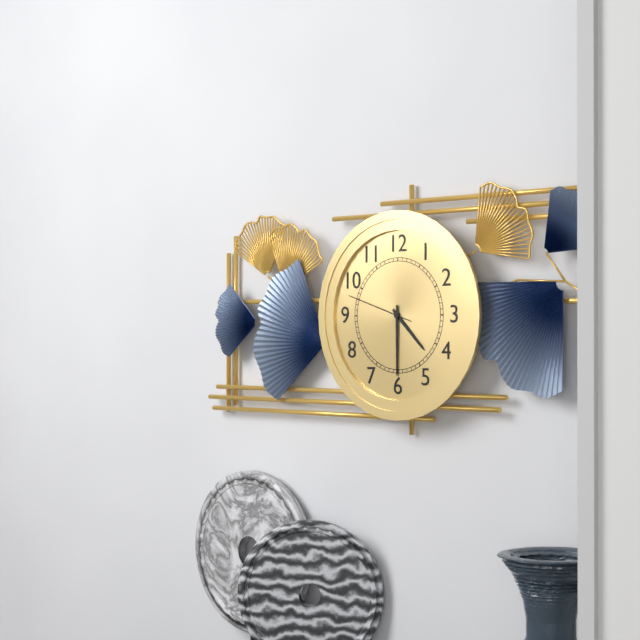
h=4 m=30 s=48
